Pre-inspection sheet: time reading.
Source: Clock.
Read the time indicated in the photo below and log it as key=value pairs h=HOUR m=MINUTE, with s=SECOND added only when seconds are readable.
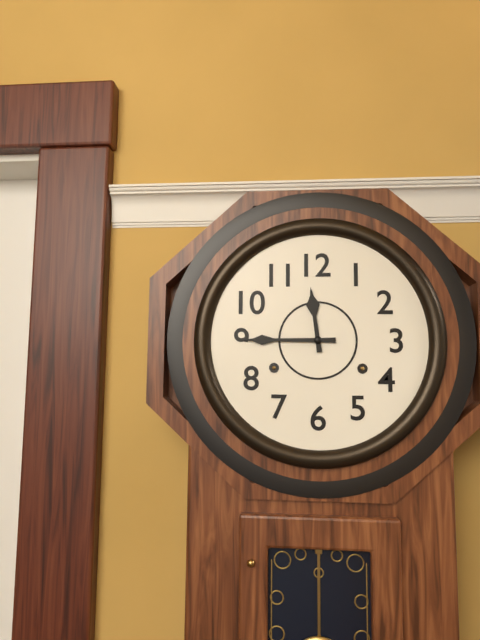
h=11 m=45
